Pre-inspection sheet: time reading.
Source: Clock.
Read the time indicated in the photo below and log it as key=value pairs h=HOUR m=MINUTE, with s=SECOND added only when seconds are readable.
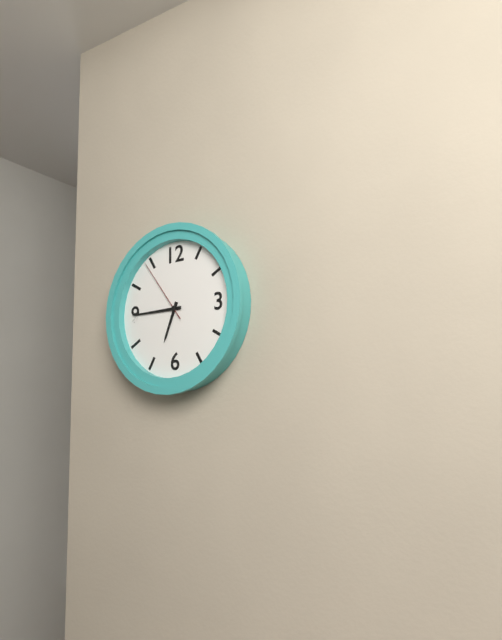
h=6 m=45 s=54
